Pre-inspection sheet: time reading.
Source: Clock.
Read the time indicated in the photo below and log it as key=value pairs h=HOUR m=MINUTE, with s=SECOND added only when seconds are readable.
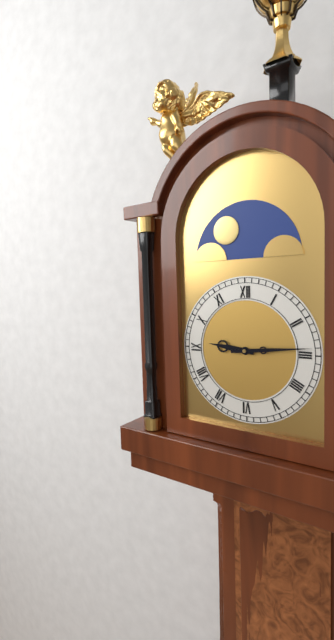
h=9 m=14
